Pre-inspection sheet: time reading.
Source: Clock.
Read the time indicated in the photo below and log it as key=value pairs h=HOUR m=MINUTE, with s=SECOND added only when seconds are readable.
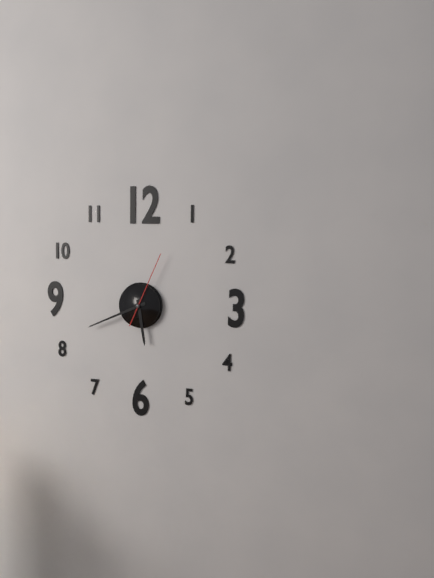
h=5 m=41 s=4
